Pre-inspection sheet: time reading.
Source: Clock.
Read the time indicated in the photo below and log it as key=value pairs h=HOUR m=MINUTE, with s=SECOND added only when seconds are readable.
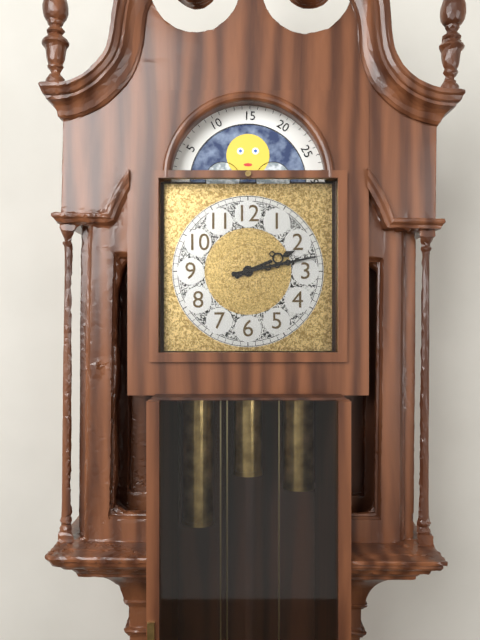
h=2 m=13
